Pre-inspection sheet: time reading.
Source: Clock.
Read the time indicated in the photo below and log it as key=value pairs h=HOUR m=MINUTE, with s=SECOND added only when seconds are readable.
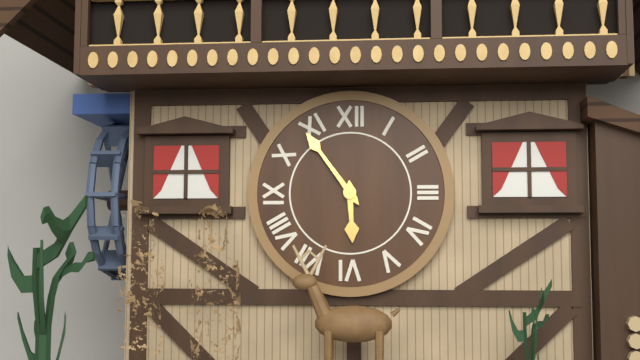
h=5 m=54
